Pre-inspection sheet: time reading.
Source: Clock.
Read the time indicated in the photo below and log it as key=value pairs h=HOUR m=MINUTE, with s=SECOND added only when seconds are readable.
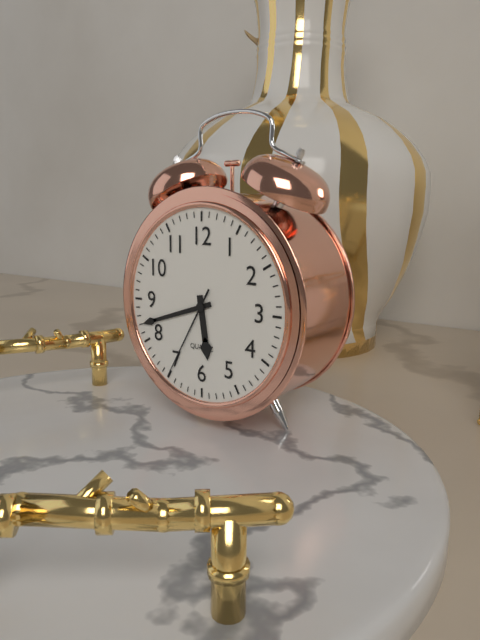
h=5 m=42 s=35
